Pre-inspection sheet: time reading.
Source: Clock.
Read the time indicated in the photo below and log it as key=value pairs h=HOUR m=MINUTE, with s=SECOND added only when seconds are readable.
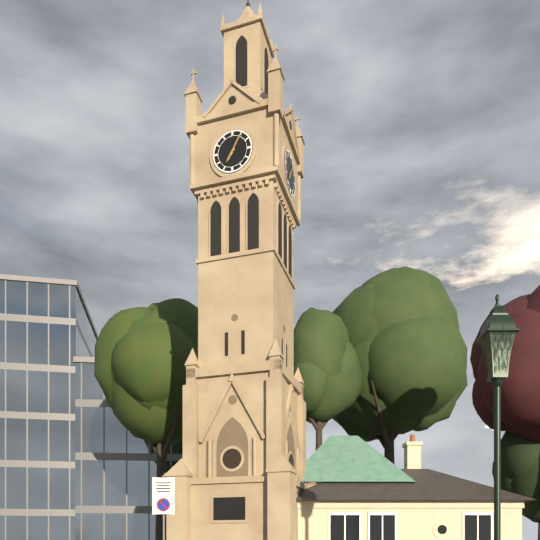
h=7 m=5
